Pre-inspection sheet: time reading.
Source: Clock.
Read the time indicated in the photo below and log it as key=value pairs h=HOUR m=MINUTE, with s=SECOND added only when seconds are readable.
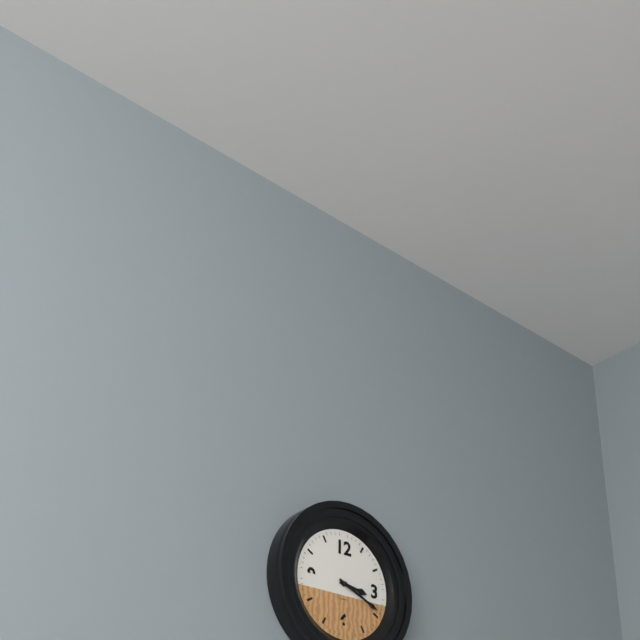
h=3 m=19
